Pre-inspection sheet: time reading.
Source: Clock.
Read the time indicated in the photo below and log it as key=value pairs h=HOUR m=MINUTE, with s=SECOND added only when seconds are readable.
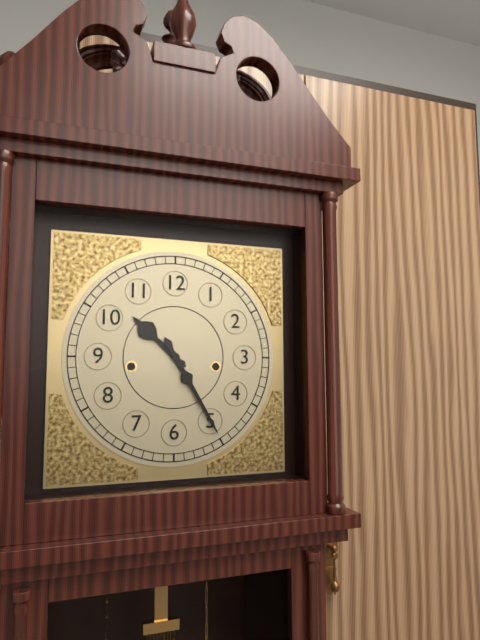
h=10 m=25
